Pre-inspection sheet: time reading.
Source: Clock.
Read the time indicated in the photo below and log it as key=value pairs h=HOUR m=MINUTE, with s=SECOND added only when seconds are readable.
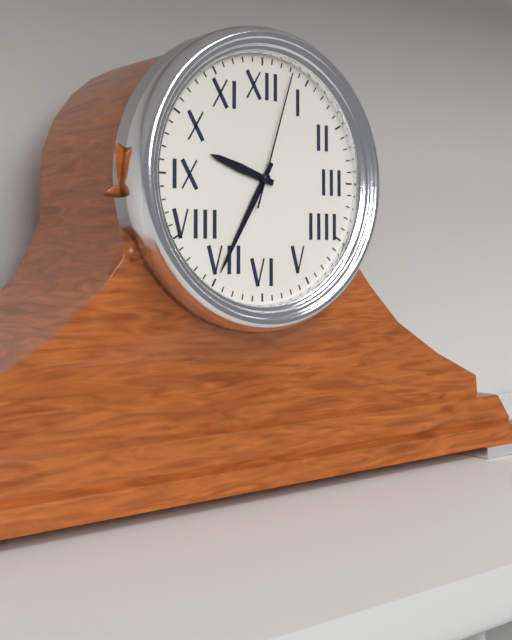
h=9 m=35 s=3
